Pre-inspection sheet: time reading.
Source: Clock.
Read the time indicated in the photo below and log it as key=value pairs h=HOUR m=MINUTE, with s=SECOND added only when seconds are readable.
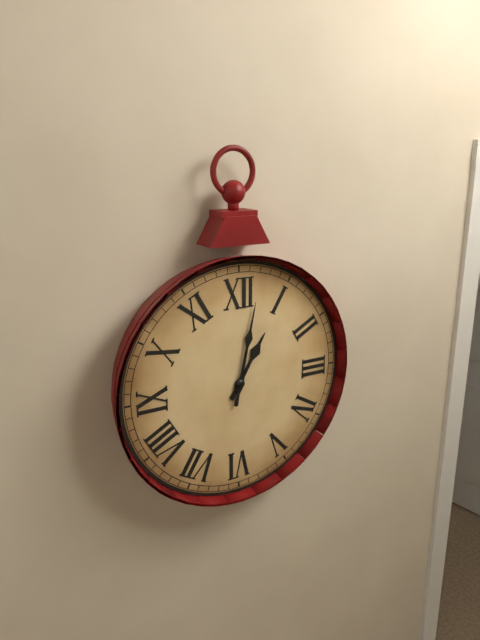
h=1 m=2
